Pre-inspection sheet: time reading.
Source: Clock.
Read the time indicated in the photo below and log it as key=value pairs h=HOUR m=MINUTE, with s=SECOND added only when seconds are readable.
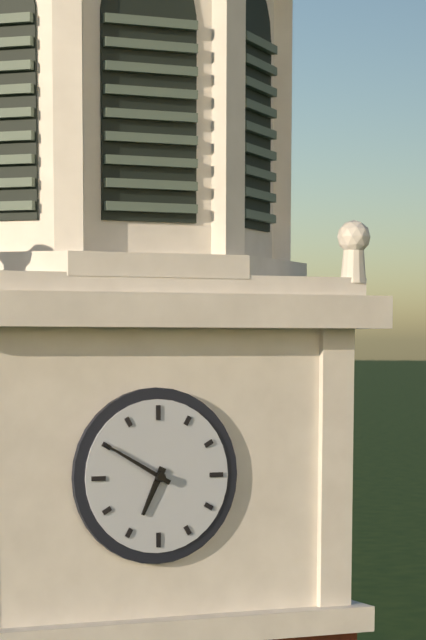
h=6 m=50
